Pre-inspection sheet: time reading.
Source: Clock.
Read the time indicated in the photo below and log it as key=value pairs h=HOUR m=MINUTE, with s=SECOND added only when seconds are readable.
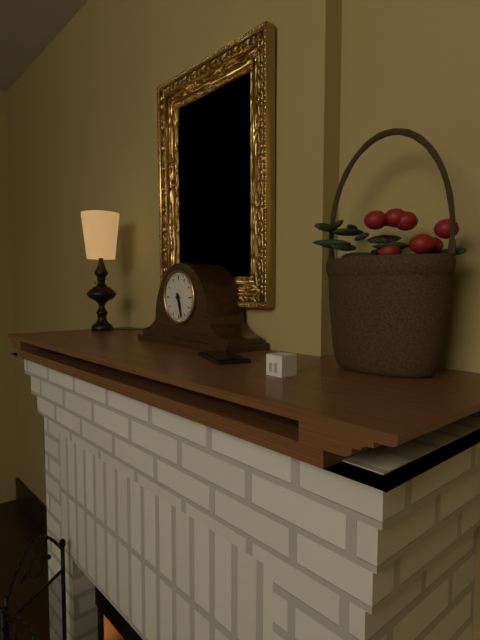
h=5 m=27
